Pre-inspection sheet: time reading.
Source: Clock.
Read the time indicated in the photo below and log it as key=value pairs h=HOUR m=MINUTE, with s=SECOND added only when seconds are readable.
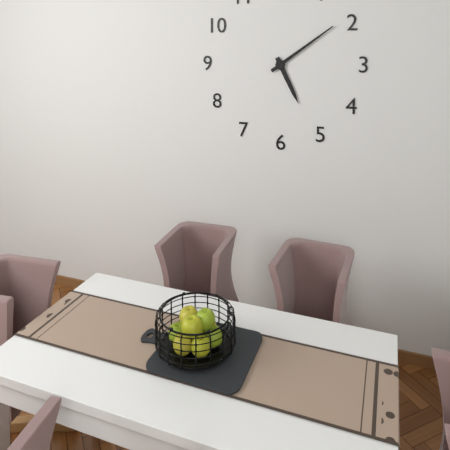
h=5 m=9
